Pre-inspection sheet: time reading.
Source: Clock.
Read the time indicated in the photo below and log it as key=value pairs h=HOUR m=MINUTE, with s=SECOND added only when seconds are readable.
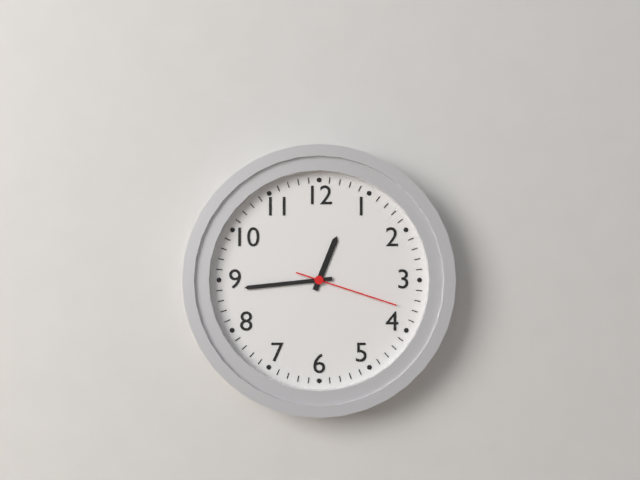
h=12 m=44 s=18
